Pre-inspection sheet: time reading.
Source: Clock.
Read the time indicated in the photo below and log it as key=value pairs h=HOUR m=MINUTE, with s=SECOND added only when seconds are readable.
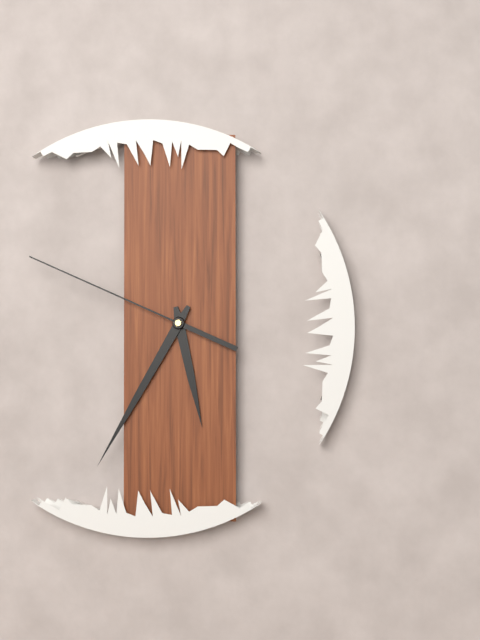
h=5 m=35 s=49
